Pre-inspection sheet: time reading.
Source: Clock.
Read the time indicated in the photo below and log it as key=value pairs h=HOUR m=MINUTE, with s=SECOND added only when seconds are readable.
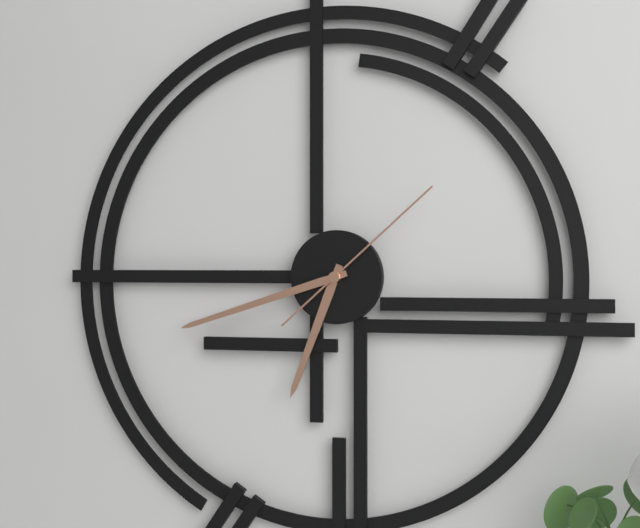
h=6 m=42 s=8
